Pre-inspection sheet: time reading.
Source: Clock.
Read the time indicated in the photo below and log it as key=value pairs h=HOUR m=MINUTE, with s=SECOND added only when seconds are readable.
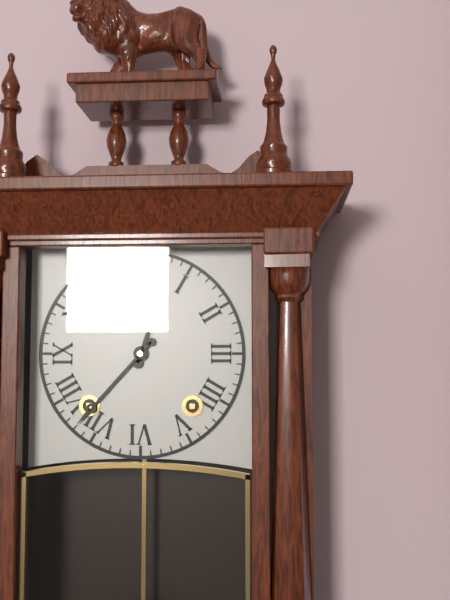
h=12 m=37
